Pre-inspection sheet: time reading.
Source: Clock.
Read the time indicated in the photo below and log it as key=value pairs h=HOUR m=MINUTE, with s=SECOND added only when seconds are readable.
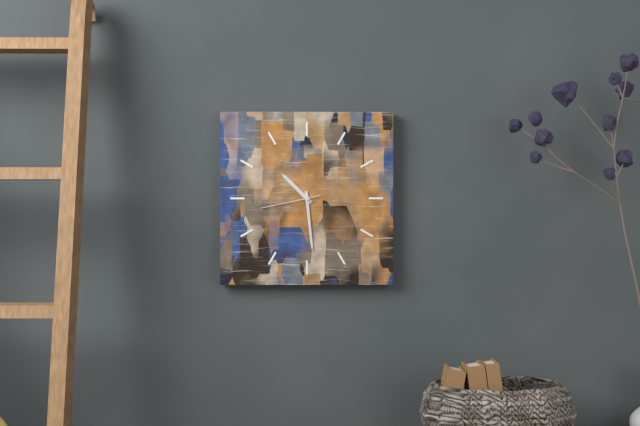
h=10 m=29 s=43
